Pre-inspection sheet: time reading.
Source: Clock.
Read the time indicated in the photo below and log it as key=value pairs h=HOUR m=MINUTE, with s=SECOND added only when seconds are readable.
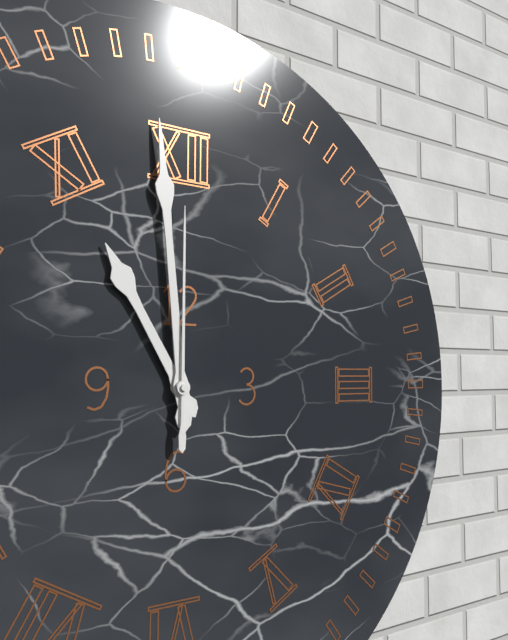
h=10 m=59 s=0
